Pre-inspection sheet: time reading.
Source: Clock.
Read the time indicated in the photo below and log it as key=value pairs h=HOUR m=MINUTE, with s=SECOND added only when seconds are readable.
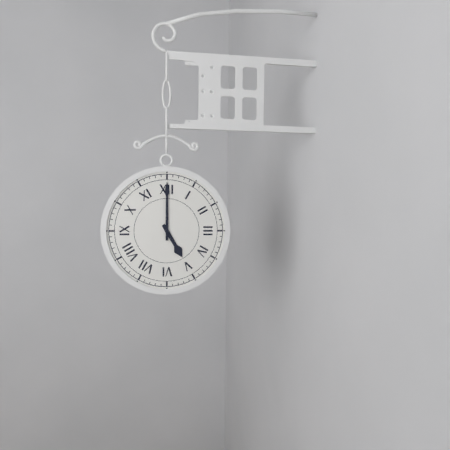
h=5 m=0
